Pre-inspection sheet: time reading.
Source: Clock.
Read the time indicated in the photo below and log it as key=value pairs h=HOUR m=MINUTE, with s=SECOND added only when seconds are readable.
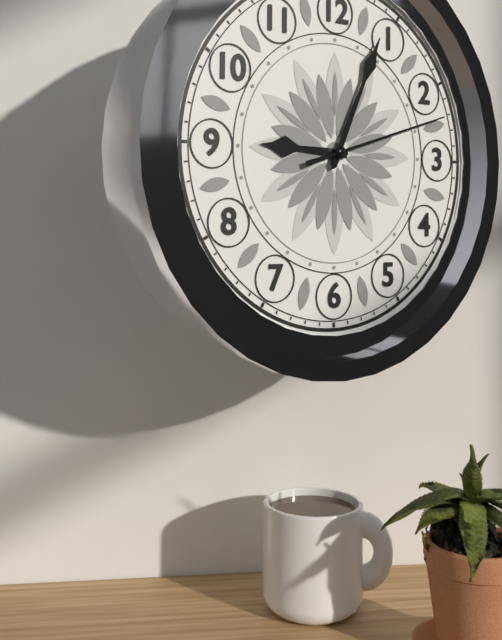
h=9 m=4 s=12
